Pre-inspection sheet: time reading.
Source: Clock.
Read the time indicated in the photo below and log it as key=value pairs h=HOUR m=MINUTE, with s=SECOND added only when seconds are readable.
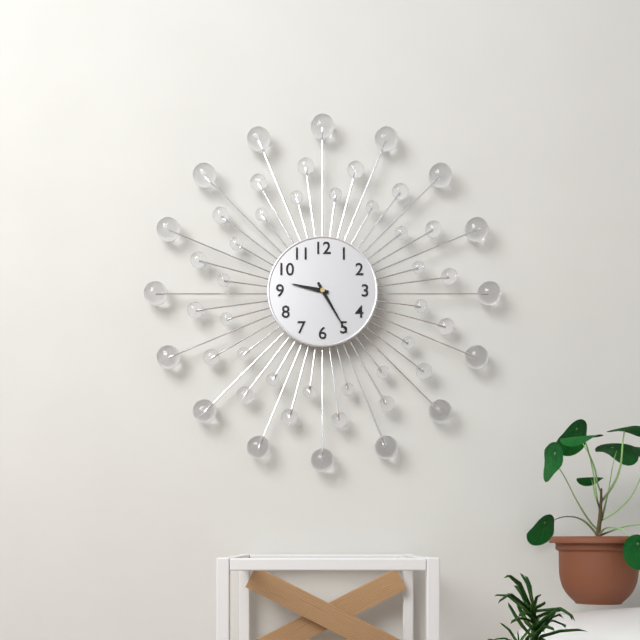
h=9 m=25
